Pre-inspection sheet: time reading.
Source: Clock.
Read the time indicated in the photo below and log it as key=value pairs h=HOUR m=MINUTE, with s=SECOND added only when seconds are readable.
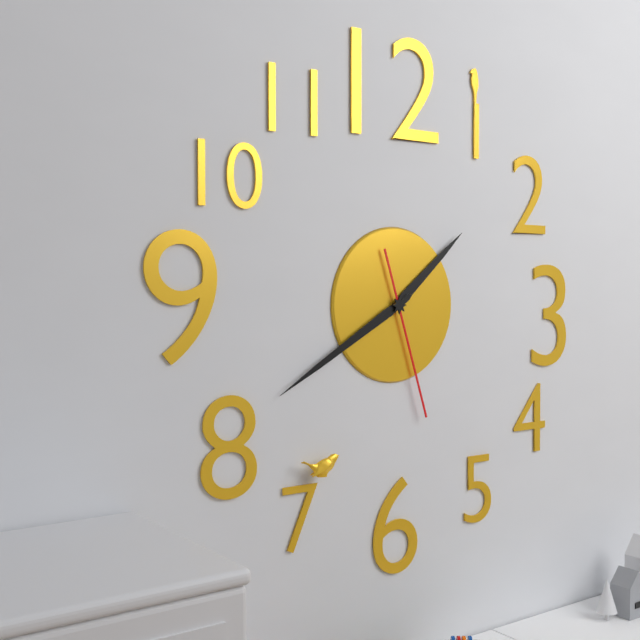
h=1 m=40 s=27
